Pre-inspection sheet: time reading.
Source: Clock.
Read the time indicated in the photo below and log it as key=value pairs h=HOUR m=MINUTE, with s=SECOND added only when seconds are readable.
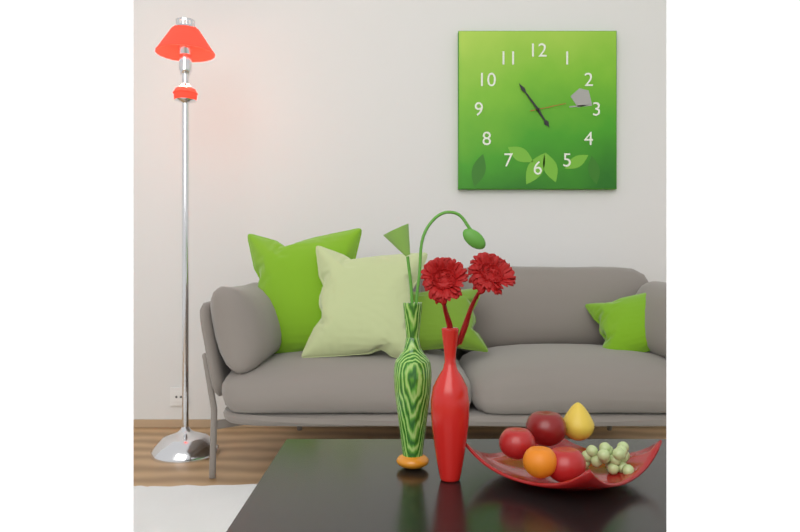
h=4 m=54
